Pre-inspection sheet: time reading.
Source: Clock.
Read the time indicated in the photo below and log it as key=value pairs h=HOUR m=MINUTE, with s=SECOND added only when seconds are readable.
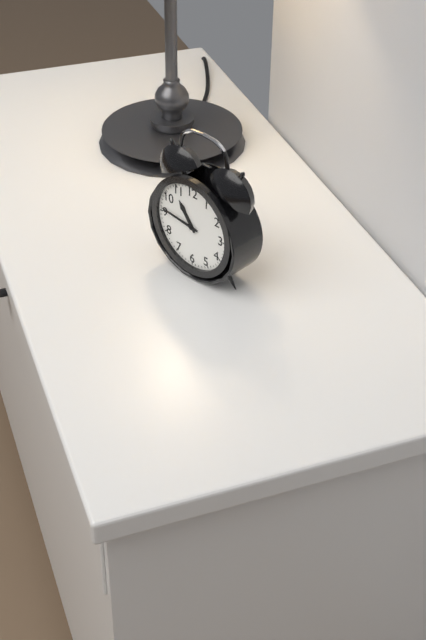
h=10 m=46
